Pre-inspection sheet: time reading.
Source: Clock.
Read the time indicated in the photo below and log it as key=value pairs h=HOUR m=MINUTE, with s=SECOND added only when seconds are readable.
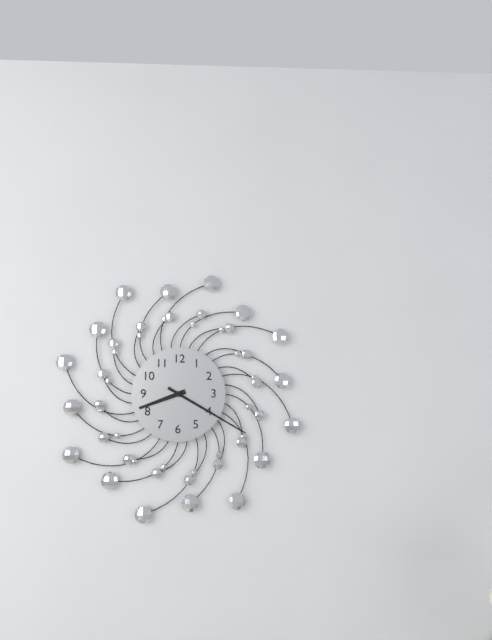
h=8 m=20
